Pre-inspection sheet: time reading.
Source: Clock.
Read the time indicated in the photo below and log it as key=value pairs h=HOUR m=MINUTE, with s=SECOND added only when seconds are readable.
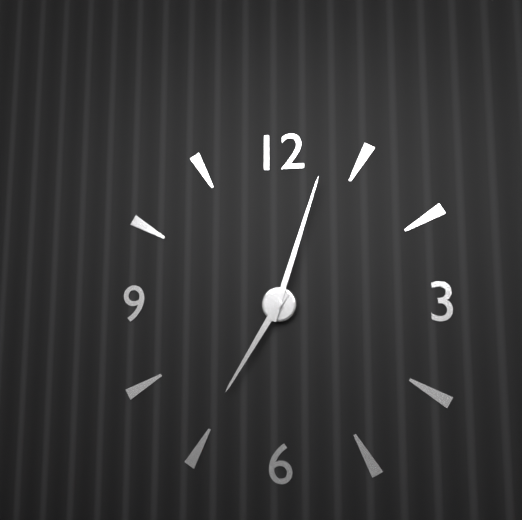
h=7 m=3
